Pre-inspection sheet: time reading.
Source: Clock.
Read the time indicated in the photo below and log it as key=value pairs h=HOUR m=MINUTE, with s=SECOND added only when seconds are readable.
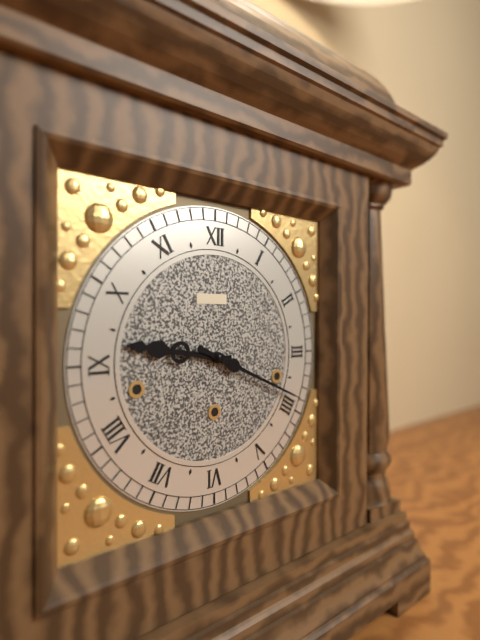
h=9 m=19
